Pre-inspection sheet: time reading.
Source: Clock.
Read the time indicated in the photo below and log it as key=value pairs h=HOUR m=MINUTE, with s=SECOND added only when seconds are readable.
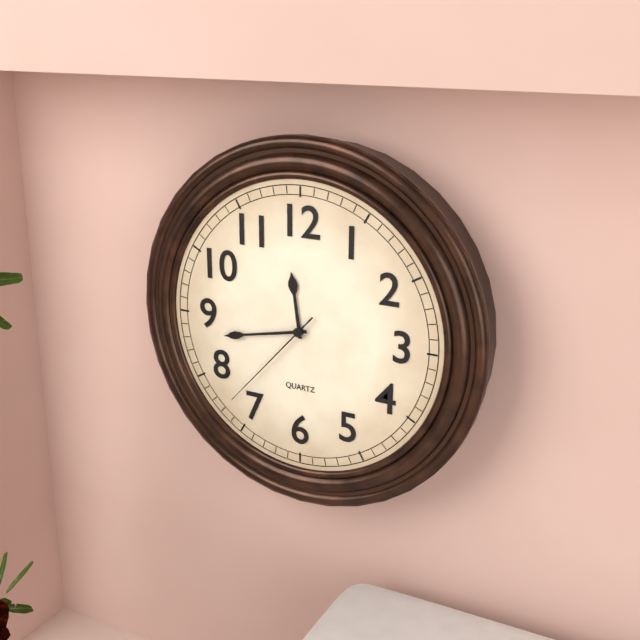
h=11 m=43 s=37
